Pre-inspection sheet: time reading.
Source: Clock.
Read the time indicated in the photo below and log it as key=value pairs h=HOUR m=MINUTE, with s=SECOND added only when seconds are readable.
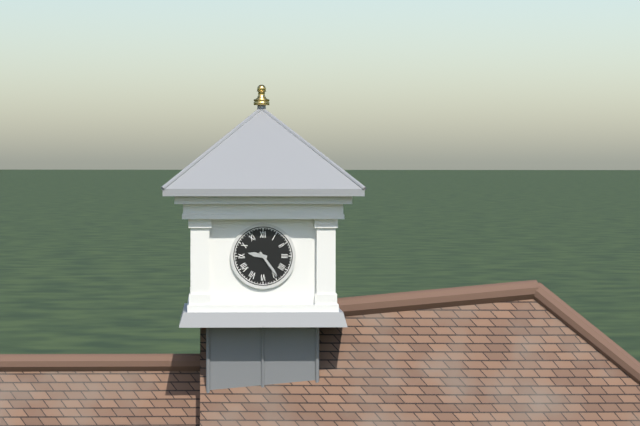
h=9 m=24
